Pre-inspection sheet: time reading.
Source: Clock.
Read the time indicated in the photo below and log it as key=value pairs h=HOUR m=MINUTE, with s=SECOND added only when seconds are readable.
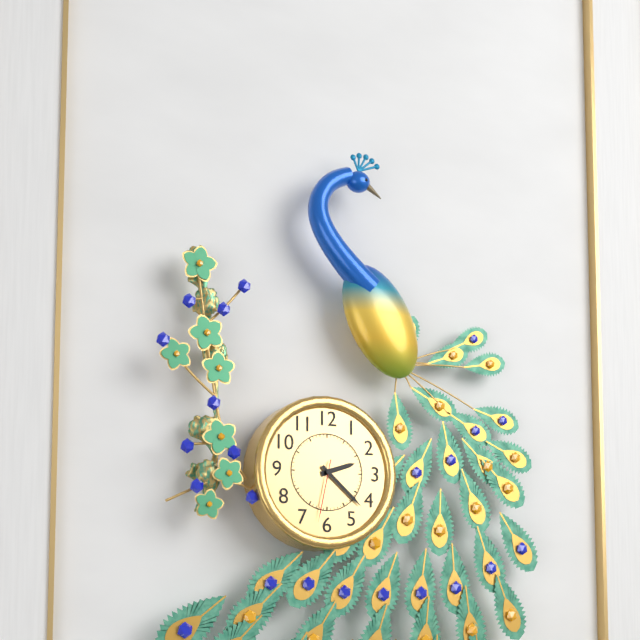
h=2 m=22 s=32
